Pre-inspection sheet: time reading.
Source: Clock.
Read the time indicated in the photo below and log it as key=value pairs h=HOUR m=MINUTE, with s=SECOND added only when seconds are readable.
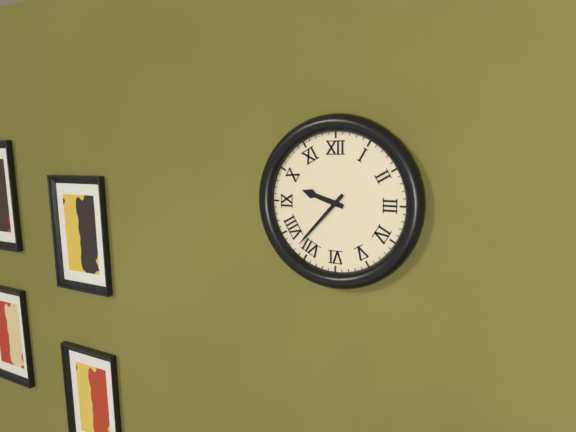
h=9 m=37
